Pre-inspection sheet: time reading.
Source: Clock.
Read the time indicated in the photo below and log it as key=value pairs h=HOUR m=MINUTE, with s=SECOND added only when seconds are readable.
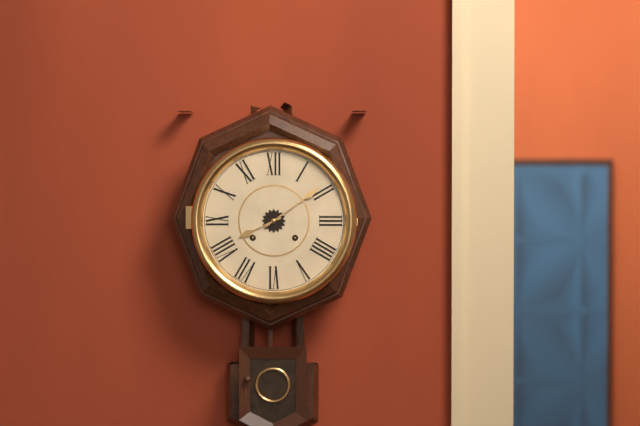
h=8 m=9
